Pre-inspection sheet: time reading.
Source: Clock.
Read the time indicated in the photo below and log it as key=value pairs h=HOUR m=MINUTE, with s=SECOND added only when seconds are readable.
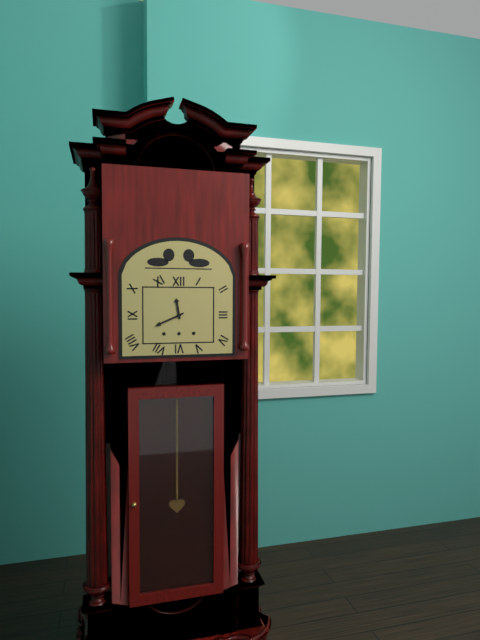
h=11 m=41
